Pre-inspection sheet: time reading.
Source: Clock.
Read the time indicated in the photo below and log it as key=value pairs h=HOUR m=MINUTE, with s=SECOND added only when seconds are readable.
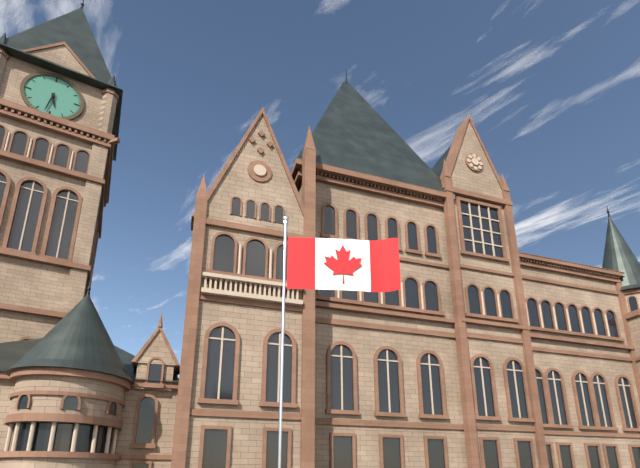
h=5 m=32
